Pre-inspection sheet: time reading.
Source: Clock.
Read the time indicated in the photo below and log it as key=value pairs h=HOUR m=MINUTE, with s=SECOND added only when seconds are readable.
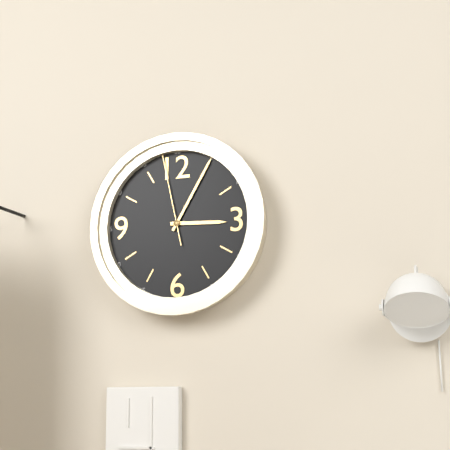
h=3 m=5 s=58
